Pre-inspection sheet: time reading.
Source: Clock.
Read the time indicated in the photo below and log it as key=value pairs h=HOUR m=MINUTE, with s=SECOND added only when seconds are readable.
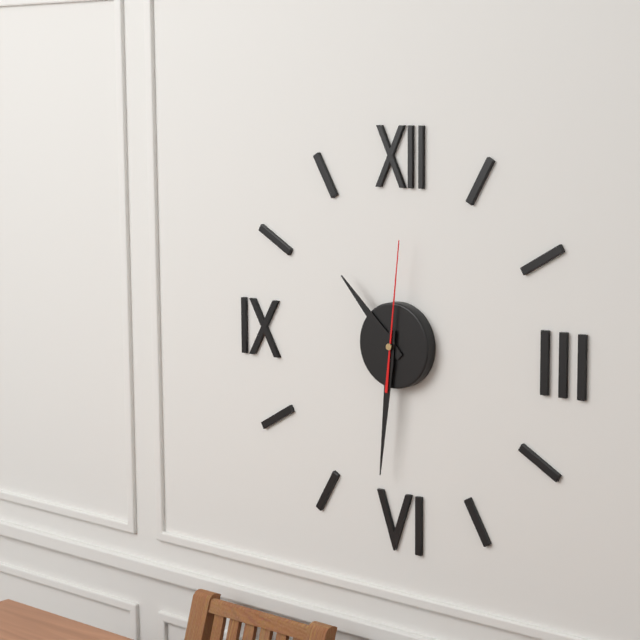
h=10 m=31 s=1
